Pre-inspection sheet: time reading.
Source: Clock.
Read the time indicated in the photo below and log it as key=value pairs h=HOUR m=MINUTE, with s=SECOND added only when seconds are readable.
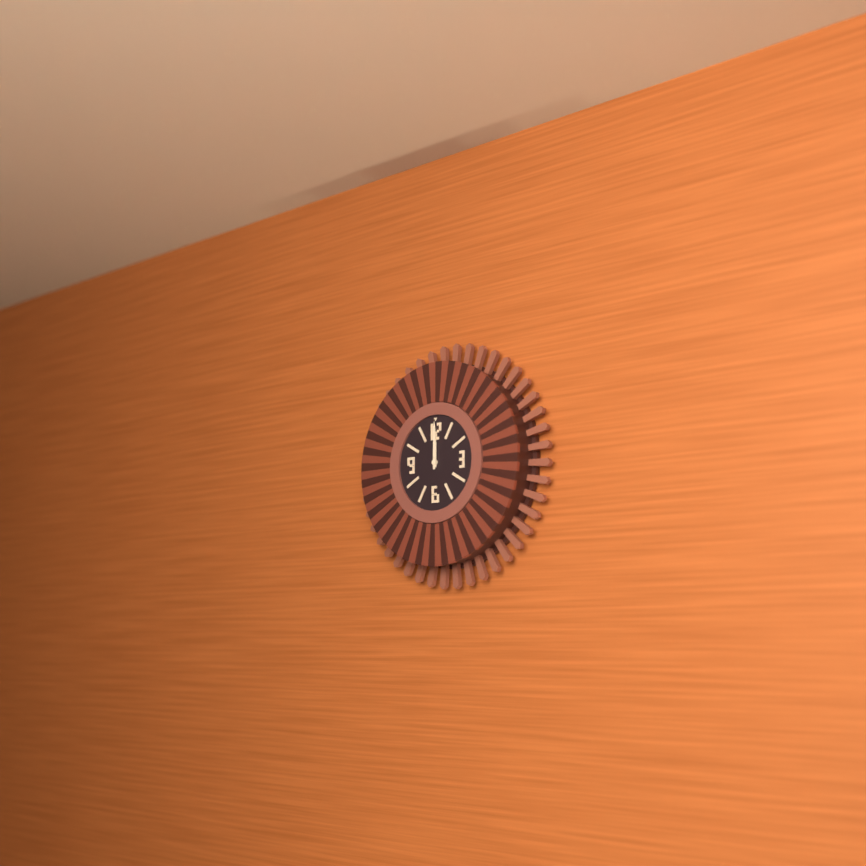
h=12 m=0
